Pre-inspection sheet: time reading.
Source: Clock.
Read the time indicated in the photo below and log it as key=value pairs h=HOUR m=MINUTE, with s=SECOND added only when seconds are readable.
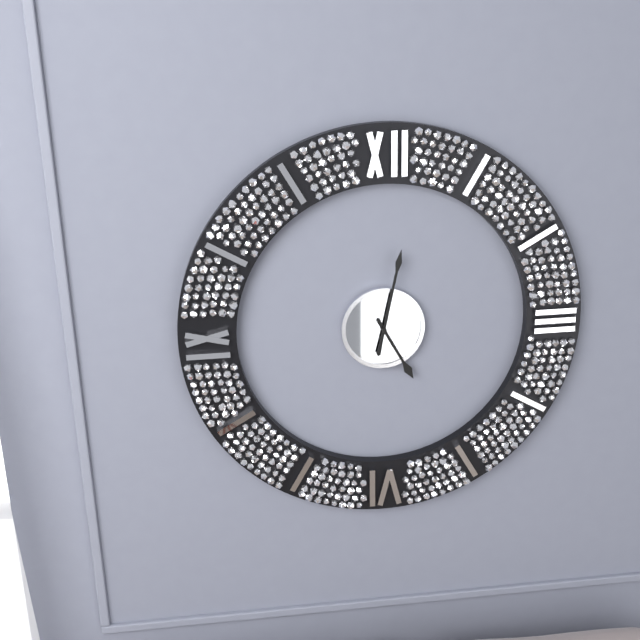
h=5 m=2
